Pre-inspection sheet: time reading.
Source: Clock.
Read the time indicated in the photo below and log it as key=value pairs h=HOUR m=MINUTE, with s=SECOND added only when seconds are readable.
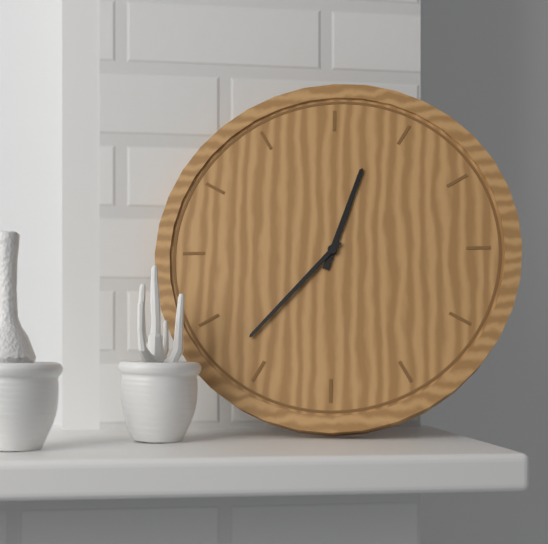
h=12 m=37
